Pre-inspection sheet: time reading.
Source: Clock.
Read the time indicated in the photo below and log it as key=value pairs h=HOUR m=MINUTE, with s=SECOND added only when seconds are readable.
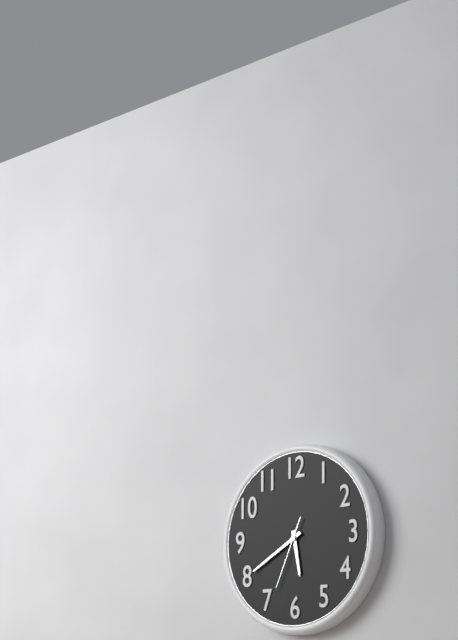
h=5 m=40 s=34
